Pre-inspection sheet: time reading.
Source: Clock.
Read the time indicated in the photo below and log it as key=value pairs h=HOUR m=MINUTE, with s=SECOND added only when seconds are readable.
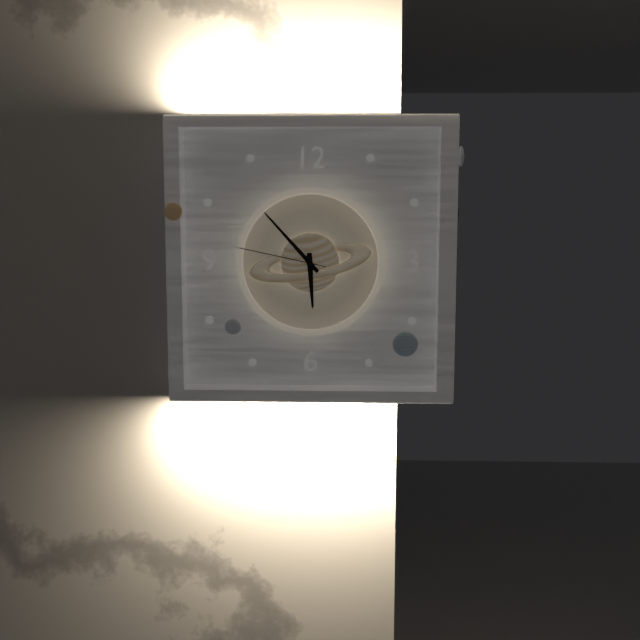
h=5 m=53 s=47
